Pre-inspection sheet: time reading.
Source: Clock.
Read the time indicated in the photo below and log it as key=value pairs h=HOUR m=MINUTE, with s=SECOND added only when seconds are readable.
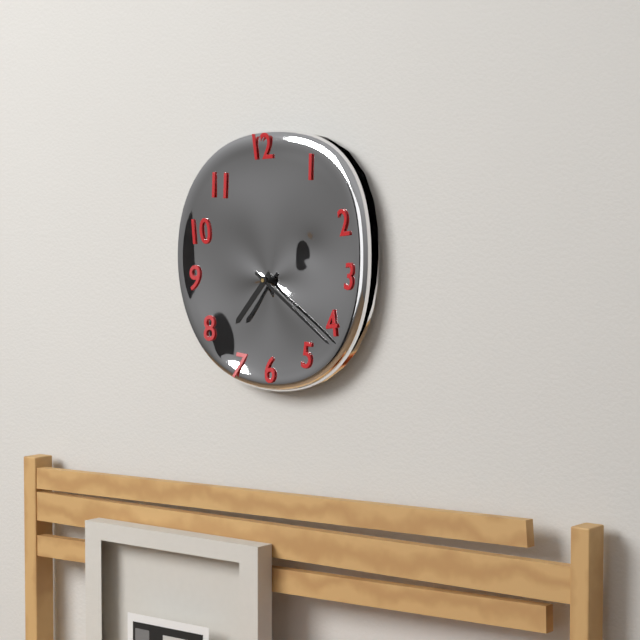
h=7 m=21
